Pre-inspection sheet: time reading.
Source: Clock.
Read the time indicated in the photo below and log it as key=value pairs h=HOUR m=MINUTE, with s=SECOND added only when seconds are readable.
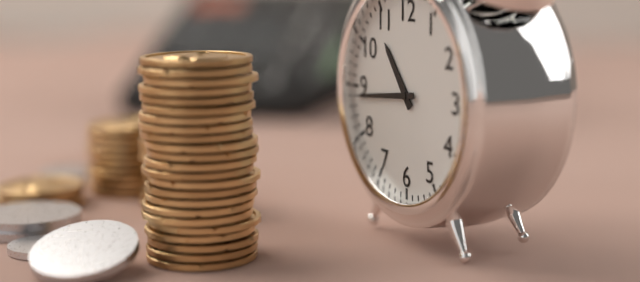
h=10 m=44
